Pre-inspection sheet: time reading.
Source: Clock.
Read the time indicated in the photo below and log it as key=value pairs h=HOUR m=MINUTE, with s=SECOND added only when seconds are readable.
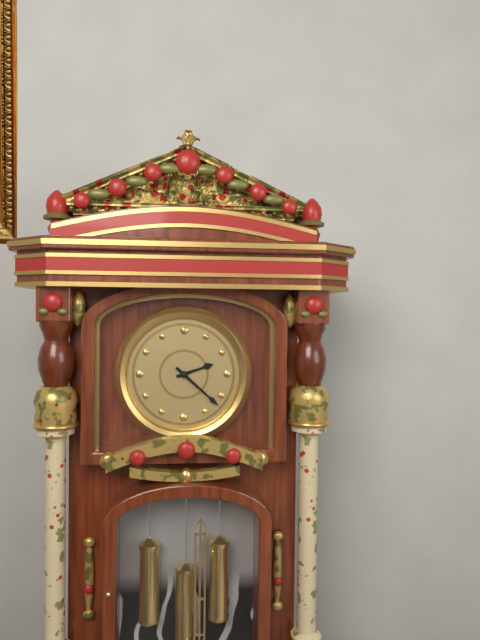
h=2 m=22
